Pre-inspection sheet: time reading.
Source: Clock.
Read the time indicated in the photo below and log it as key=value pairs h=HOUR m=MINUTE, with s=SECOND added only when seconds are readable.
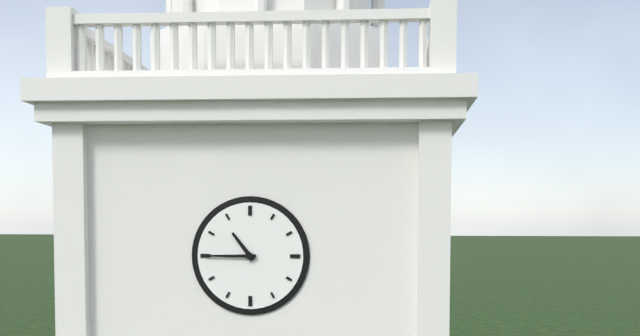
h=10 m=45
